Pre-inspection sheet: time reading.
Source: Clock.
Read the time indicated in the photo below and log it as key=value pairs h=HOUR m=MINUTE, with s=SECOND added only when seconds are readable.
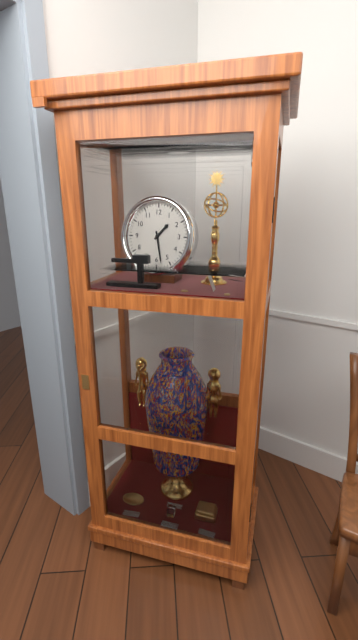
h=1 m=28
